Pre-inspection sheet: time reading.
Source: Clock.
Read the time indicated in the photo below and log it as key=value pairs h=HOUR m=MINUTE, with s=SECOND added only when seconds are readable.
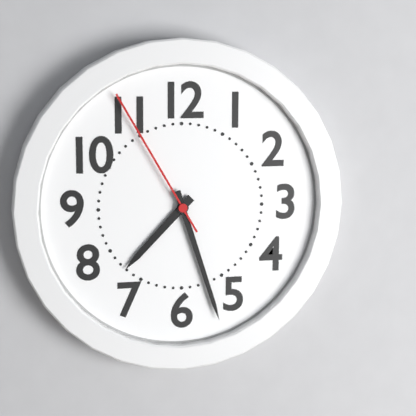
h=7 m=27 s=55
